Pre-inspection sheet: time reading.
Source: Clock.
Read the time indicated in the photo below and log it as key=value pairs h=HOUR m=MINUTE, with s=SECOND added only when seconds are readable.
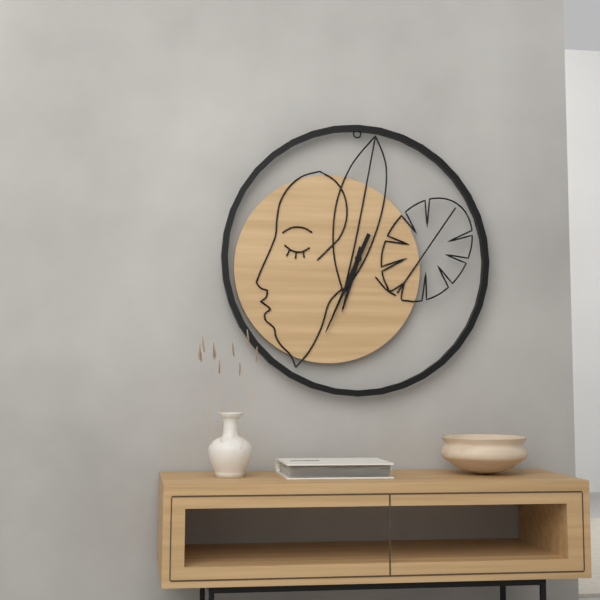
h=6 m=34
